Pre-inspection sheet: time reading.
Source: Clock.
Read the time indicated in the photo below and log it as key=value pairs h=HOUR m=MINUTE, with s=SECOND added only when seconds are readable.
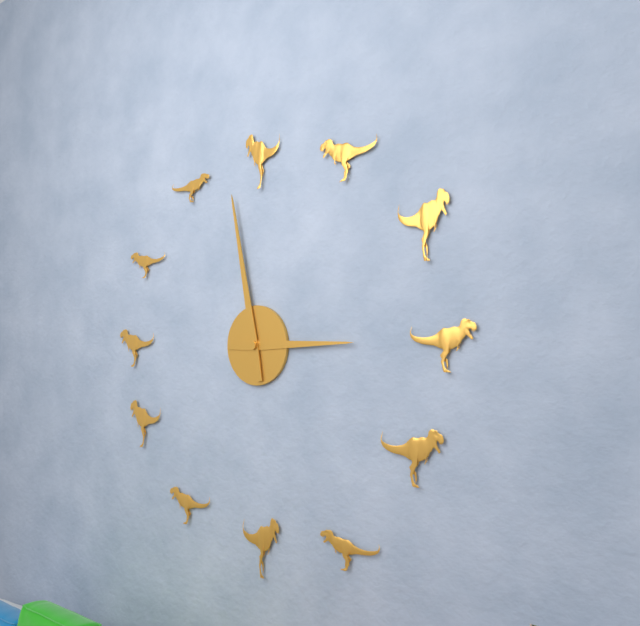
h=2 m=58
